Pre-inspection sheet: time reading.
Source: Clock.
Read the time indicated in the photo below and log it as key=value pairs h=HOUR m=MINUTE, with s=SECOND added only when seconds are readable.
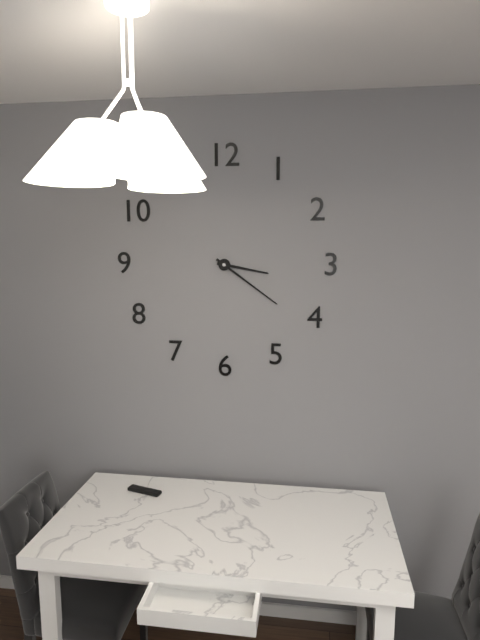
h=3 m=21
